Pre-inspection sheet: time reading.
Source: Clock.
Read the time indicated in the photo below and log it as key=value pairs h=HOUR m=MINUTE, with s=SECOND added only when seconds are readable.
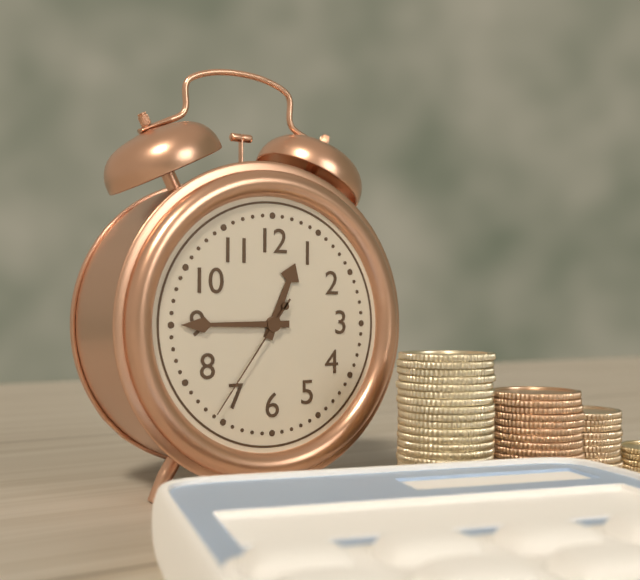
h=12 m=45 s=36
